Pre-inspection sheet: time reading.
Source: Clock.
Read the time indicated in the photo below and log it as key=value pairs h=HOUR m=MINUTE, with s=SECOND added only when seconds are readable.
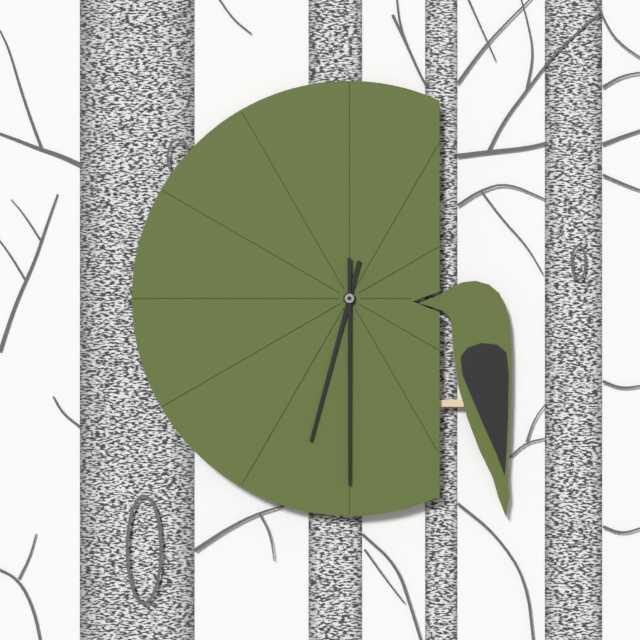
h=6 m=30
